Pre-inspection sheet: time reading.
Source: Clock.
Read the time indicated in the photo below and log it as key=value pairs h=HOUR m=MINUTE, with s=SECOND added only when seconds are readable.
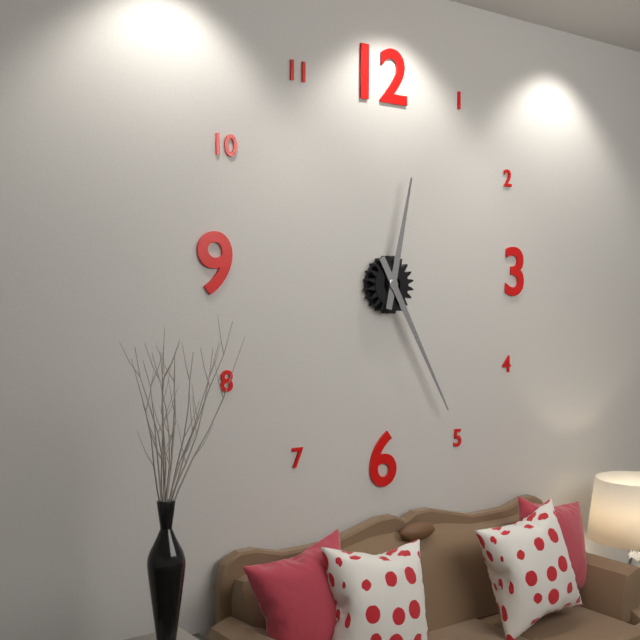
h=12 m=25
